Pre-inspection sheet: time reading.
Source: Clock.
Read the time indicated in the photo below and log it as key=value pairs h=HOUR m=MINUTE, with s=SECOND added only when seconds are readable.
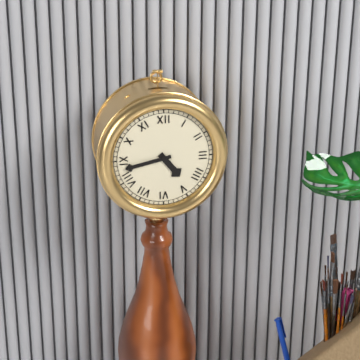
h=4 m=43
